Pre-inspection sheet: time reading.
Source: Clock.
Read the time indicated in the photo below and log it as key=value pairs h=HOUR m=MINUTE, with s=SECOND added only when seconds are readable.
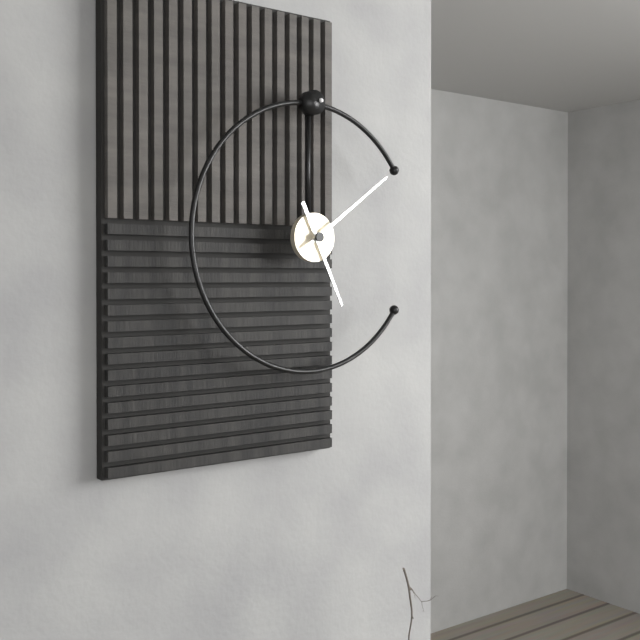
h=5 m=9
